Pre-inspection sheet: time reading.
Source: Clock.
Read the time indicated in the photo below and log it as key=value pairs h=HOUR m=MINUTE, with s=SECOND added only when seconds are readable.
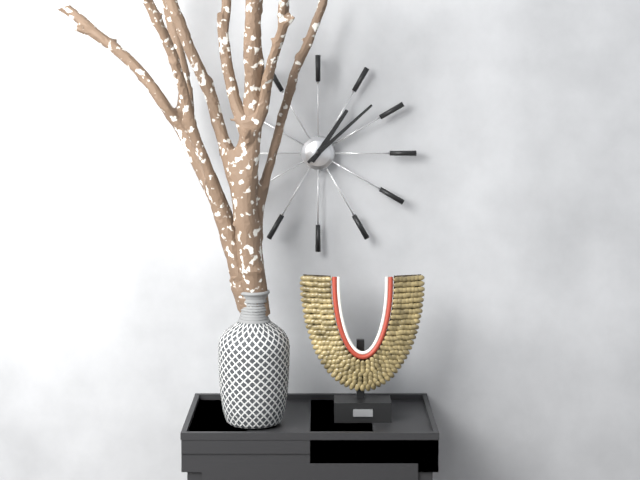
h=1 m=8
